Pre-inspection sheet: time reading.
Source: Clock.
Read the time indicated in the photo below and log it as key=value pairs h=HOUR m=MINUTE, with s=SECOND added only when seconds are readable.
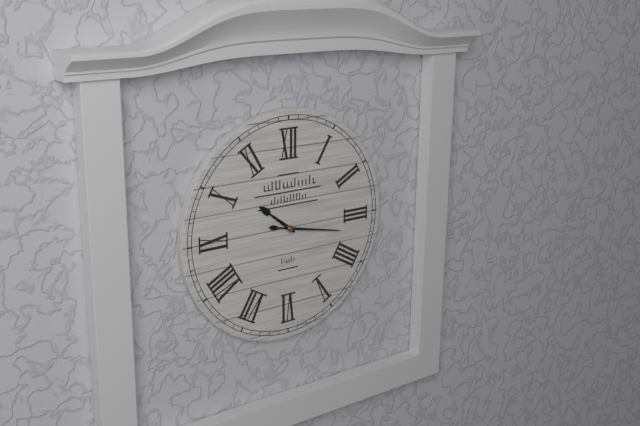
h=10 m=17
